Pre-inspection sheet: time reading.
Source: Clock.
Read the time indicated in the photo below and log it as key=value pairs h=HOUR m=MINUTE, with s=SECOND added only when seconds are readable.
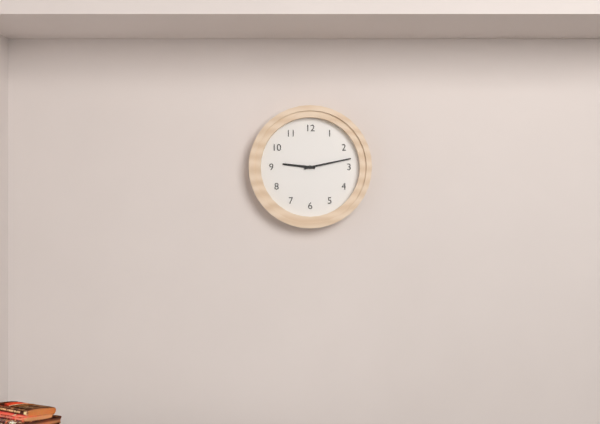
h=9 m=13
